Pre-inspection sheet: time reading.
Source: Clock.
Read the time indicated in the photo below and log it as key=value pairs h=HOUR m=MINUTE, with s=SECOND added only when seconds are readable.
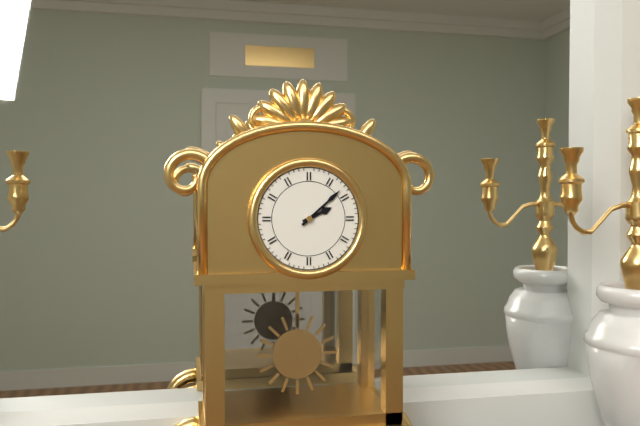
h=2 m=8
